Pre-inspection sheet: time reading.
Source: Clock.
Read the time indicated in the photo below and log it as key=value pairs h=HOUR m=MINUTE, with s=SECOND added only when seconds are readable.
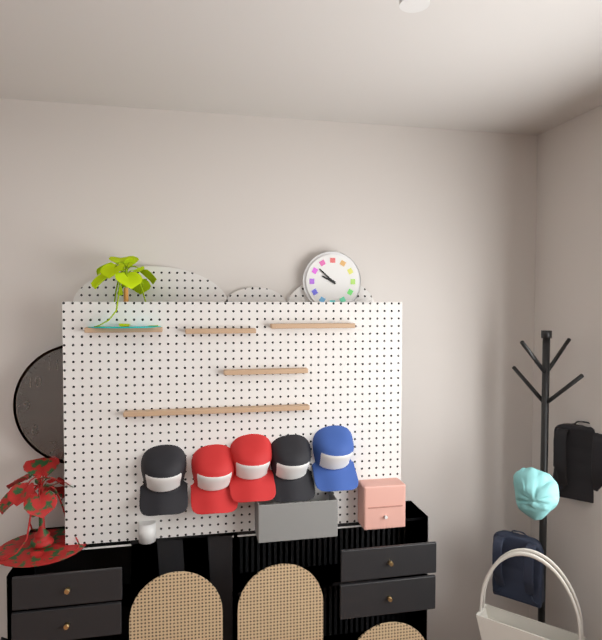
h=9 m=52
